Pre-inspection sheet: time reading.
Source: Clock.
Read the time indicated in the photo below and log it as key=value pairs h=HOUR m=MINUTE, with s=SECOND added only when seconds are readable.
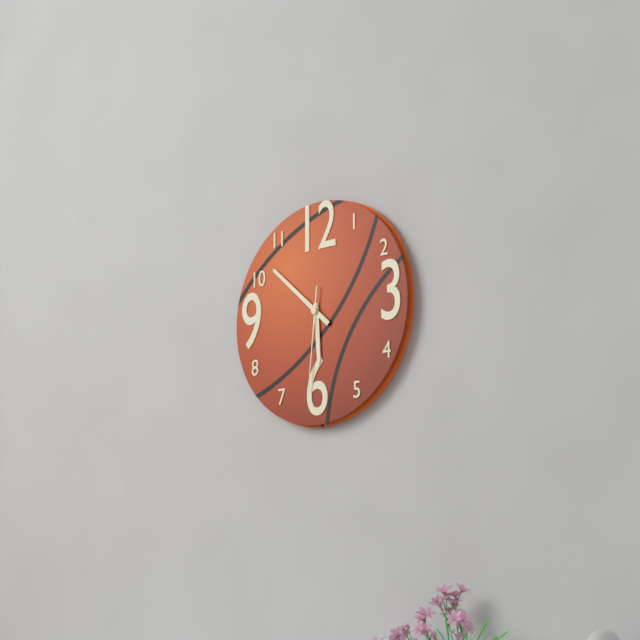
h=5 m=52 s=31
